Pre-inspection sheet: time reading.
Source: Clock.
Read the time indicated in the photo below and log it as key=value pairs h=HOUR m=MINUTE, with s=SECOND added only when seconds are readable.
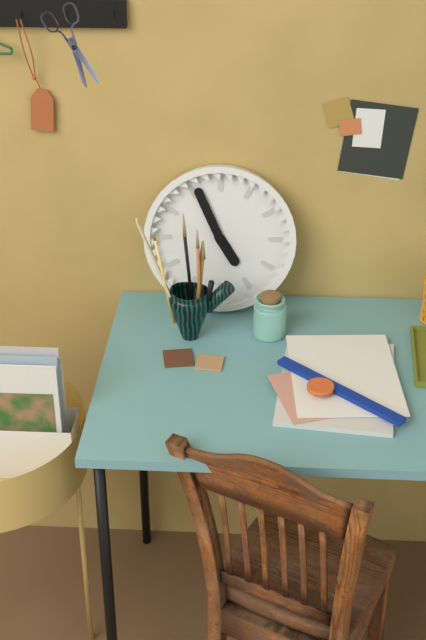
h=4 m=56
